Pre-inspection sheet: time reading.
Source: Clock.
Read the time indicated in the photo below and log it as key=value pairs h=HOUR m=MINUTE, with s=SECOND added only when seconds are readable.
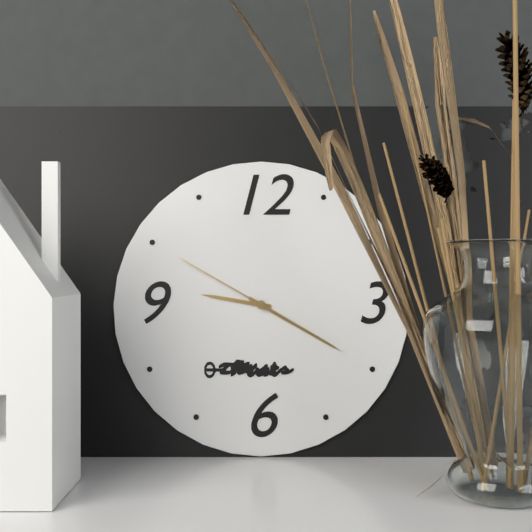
h=9 m=20 s=50
